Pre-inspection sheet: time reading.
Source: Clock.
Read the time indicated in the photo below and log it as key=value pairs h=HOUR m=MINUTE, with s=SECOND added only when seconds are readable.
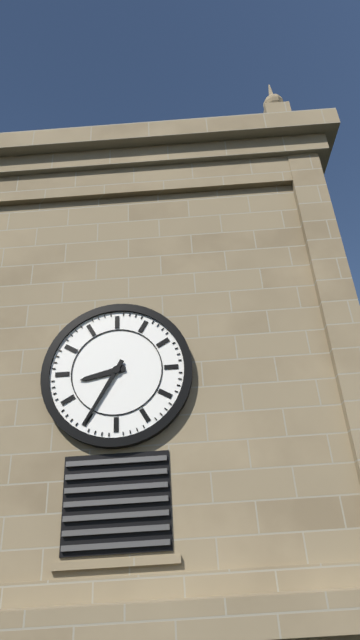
h=8 m=35
